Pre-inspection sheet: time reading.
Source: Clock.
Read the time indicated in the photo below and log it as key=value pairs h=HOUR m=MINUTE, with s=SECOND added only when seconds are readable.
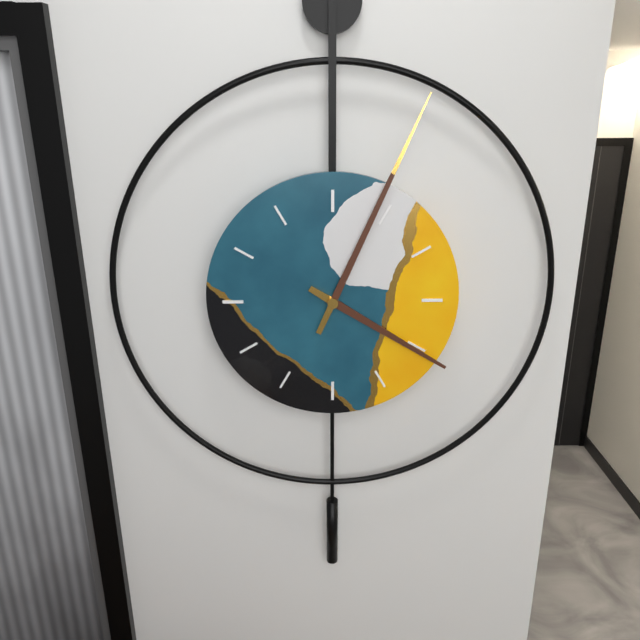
h=4 m=4
